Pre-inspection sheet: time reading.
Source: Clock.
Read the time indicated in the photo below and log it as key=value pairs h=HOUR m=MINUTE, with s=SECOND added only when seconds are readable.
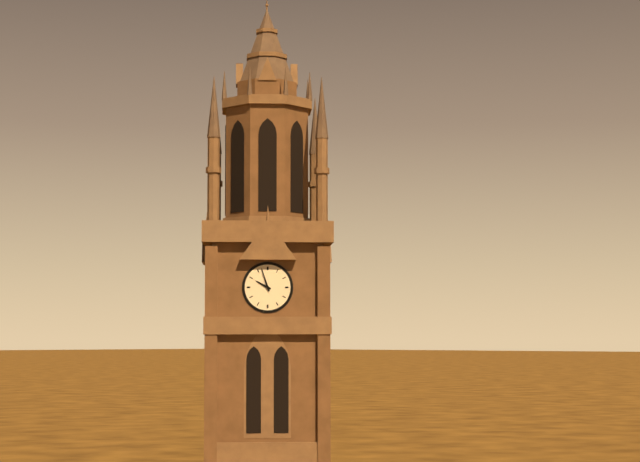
h=9 m=57
